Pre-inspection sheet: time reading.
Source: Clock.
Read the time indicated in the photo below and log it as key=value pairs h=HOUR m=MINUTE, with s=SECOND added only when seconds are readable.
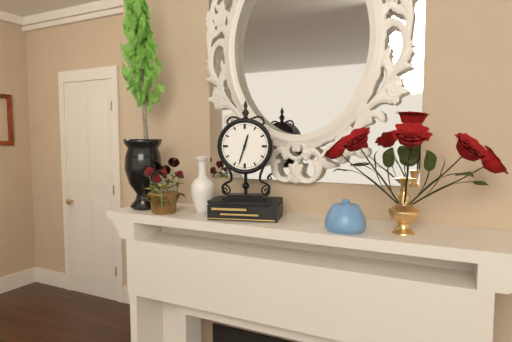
h=12 m=33
